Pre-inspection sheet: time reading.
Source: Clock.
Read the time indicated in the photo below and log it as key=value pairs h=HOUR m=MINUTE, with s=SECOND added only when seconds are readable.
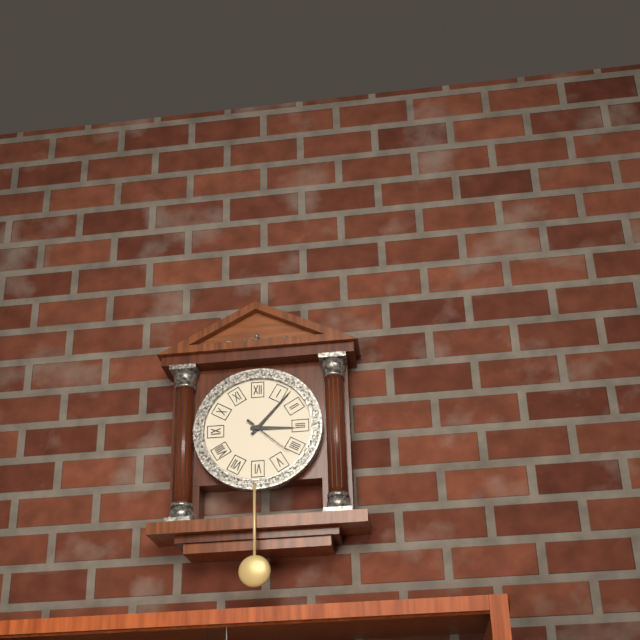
h=3 m=7 s=22
